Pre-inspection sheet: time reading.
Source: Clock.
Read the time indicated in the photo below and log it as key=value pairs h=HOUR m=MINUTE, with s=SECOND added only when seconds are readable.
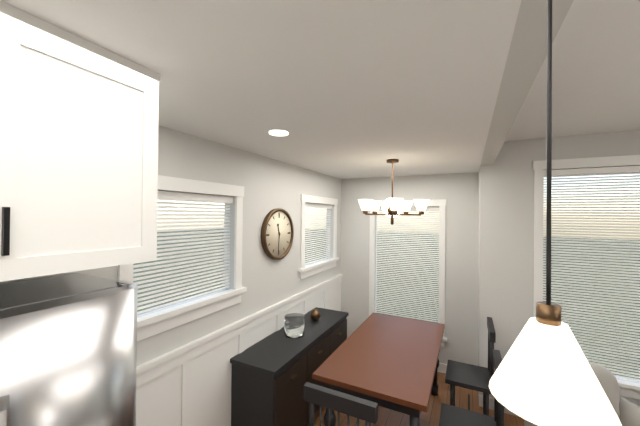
h=11 m=31
